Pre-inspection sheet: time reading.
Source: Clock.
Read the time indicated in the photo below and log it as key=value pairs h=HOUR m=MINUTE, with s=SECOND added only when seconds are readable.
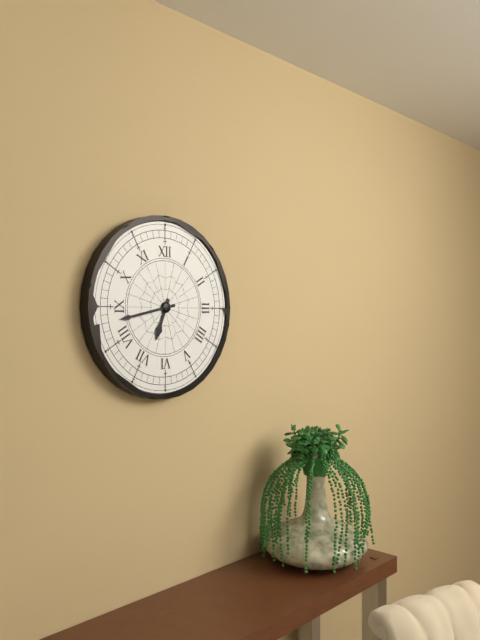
h=6 m=43
